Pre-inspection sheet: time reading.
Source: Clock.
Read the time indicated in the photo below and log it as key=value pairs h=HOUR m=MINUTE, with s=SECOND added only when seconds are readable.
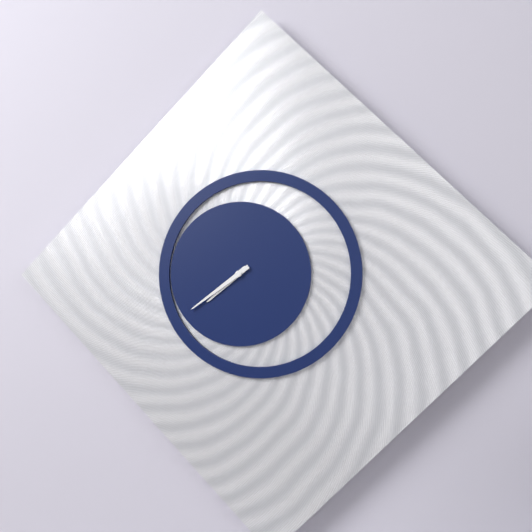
h=7 m=39
